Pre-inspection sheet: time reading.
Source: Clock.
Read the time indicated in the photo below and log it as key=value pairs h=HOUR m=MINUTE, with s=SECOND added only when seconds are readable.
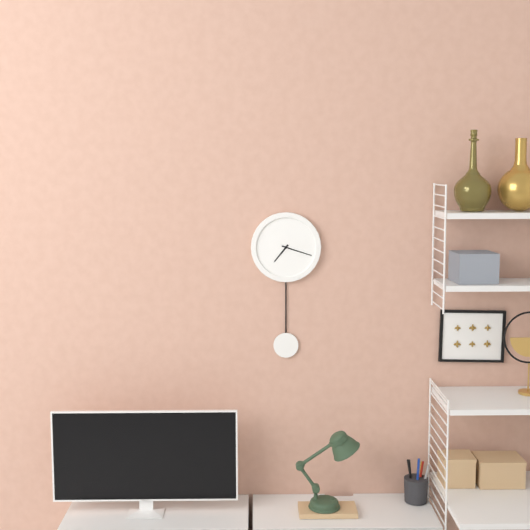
h=7 m=18
